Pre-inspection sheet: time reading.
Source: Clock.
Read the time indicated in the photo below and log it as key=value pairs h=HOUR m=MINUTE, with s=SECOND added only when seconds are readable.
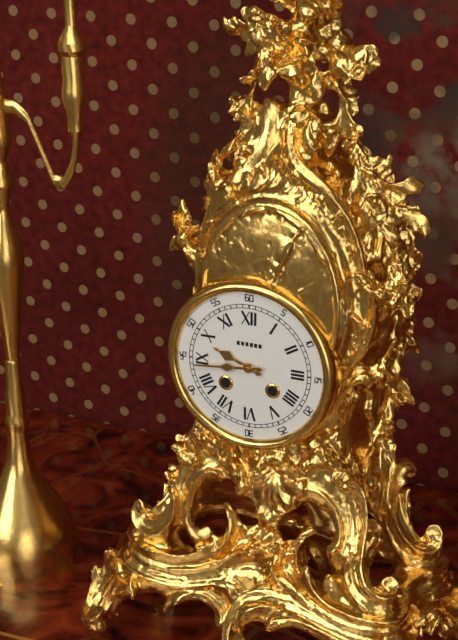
h=9 m=44
